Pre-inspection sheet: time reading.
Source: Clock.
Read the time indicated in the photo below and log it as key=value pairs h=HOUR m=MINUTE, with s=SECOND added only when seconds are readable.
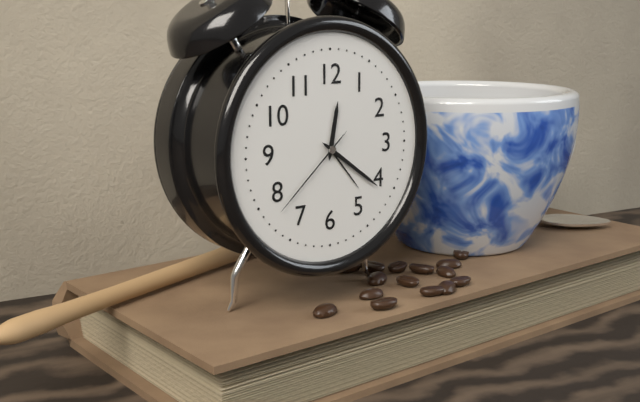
h=12 m=21 s=38
